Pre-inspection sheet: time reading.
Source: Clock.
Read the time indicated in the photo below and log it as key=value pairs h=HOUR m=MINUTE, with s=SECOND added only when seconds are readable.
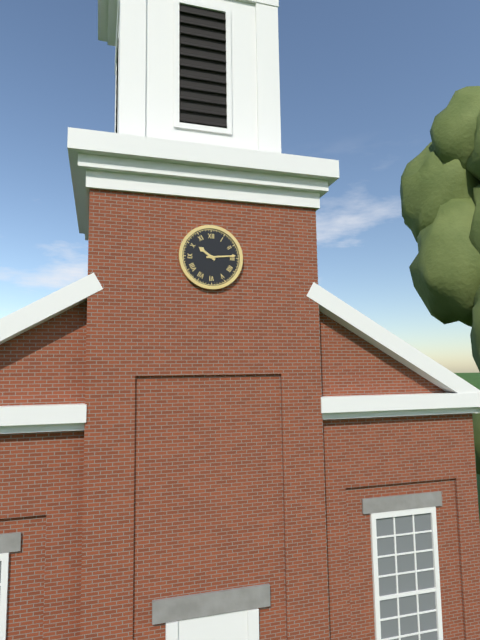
h=10 m=14
